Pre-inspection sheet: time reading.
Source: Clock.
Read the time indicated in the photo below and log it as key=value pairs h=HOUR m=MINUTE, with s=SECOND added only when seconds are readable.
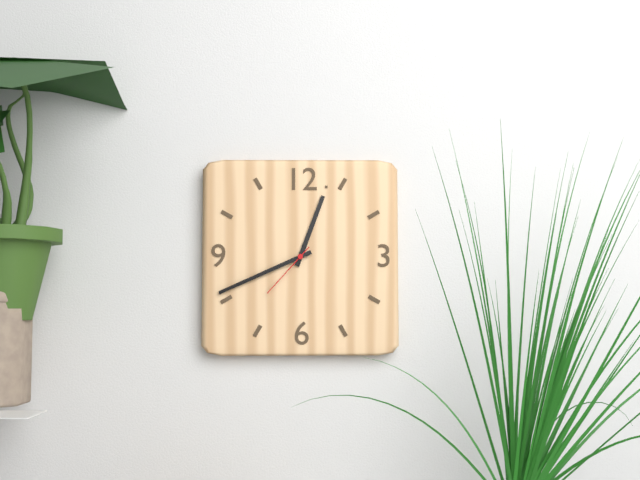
h=12 m=41 s=37
